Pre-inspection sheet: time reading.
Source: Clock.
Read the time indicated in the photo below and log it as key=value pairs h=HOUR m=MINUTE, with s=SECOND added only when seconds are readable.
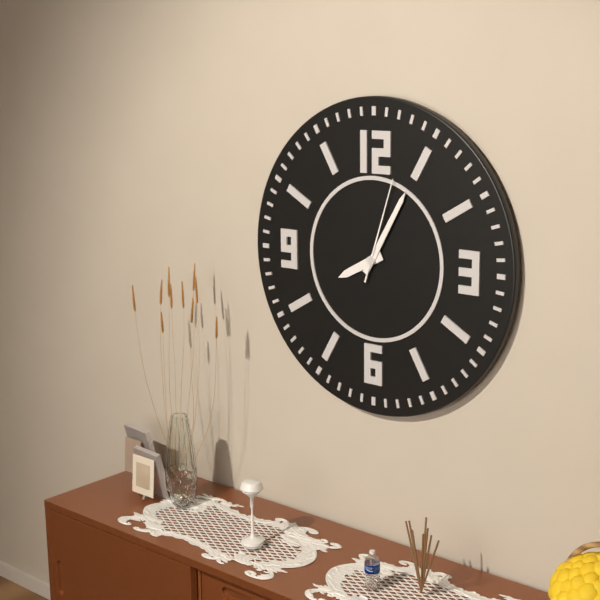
h=8 m=5 s=3
